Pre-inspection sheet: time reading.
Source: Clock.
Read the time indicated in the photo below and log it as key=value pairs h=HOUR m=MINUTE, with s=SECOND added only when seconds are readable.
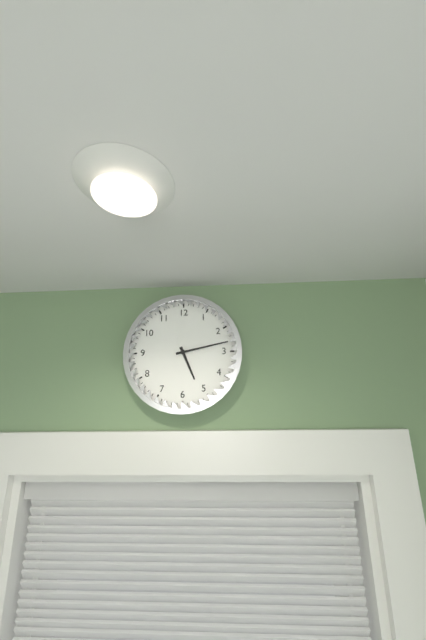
h=5 m=13
